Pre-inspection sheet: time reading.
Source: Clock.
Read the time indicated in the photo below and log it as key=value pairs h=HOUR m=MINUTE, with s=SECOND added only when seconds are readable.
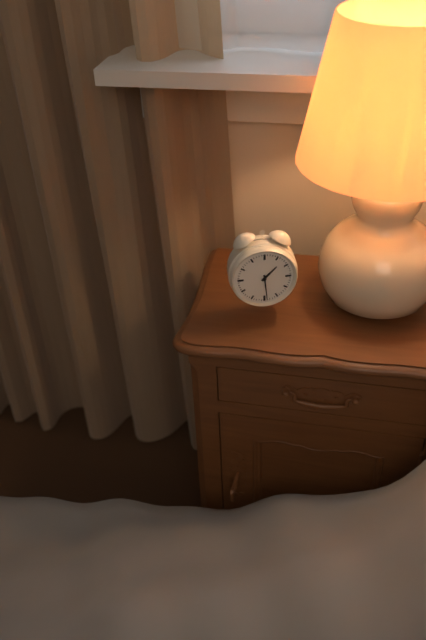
h=1 m=29
